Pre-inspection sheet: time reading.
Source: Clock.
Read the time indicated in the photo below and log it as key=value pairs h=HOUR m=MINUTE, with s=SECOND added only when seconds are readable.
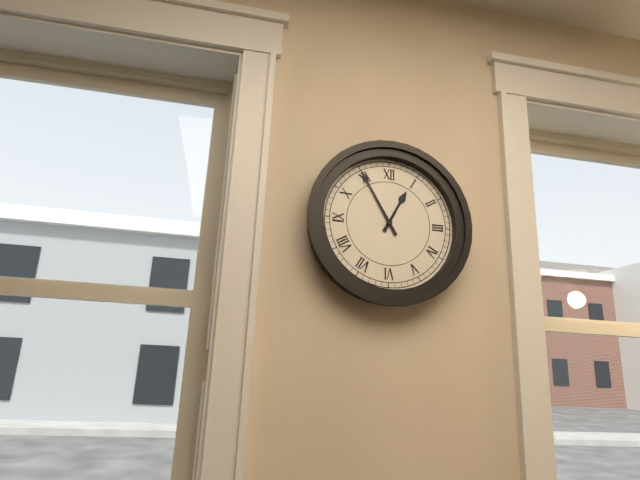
h=12 m=55
